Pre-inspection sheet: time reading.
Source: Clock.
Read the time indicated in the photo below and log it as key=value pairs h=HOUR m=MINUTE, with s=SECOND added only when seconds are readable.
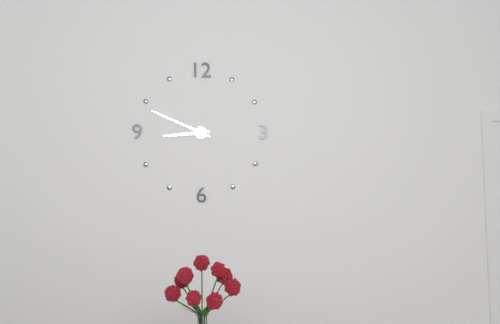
h=8 m=49
